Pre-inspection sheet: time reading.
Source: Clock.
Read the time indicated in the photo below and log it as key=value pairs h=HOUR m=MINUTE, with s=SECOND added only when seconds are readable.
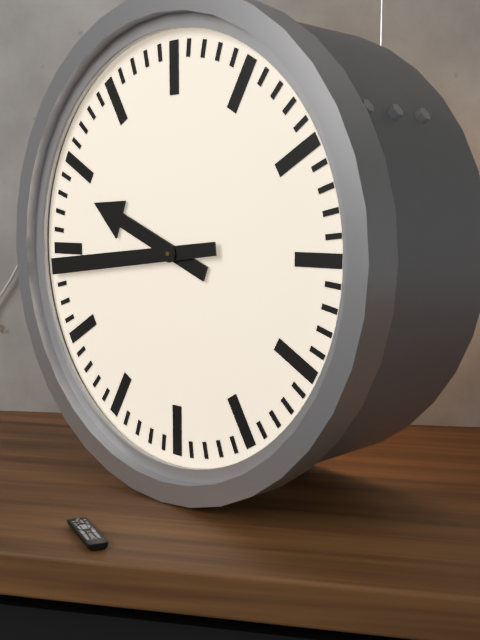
h=9 m=44
